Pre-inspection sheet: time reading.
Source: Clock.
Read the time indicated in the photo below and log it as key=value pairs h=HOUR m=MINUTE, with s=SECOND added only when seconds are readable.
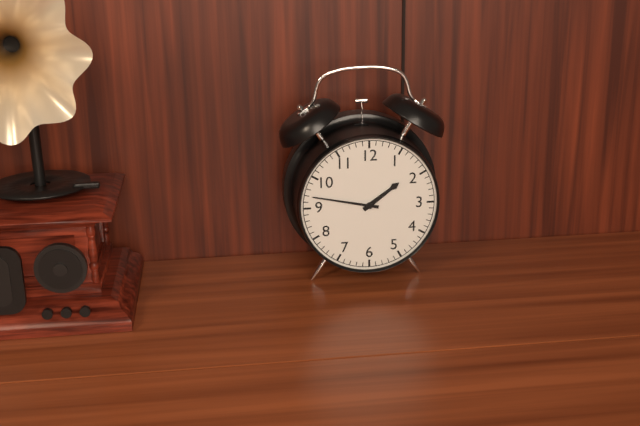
h=1 m=47
